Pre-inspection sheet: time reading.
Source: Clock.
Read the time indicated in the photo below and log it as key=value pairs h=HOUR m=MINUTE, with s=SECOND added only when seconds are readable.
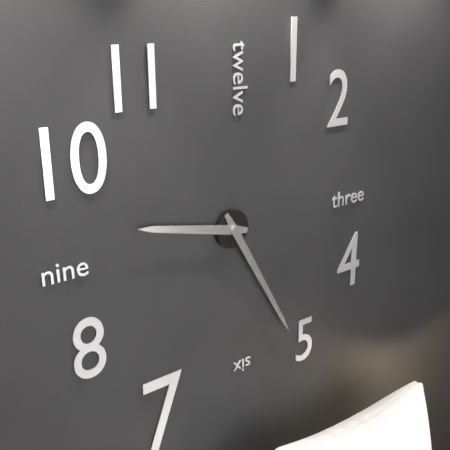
h=9 m=25
